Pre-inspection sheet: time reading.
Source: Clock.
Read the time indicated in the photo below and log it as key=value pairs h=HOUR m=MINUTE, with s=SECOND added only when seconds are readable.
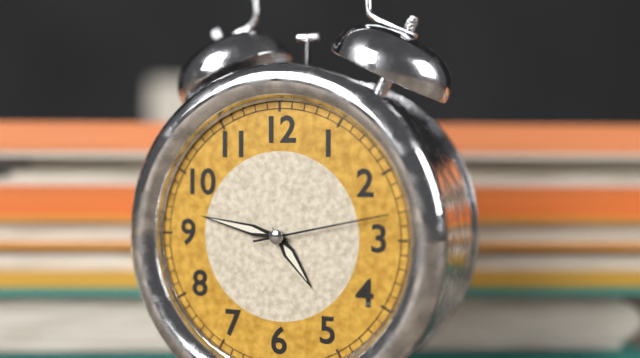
h=4 m=47 s=13
